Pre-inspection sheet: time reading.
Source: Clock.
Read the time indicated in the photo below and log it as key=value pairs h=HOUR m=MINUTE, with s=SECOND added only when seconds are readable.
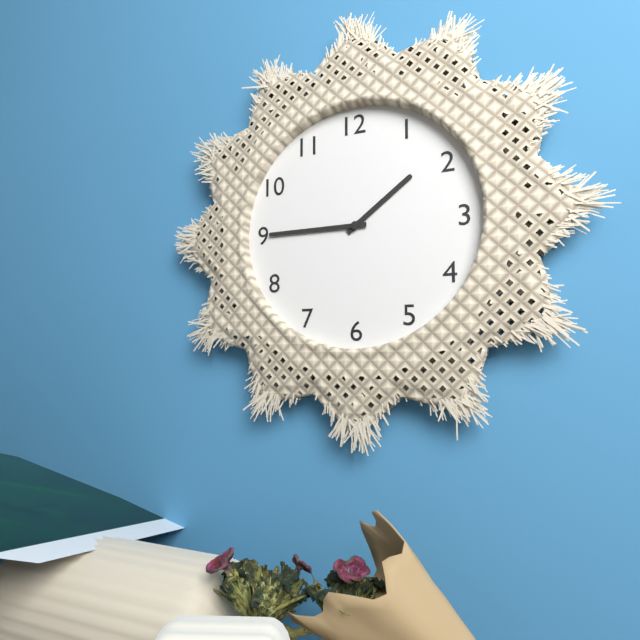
h=1 m=45
